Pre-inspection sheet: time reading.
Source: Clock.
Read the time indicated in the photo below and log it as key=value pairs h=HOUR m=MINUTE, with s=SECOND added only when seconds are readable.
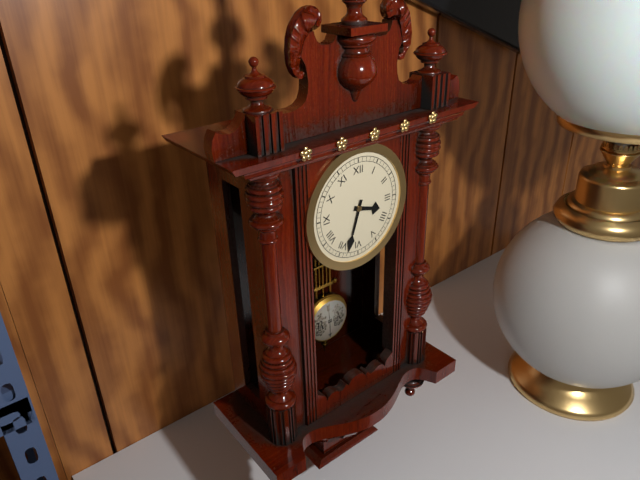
h=3 m=33
